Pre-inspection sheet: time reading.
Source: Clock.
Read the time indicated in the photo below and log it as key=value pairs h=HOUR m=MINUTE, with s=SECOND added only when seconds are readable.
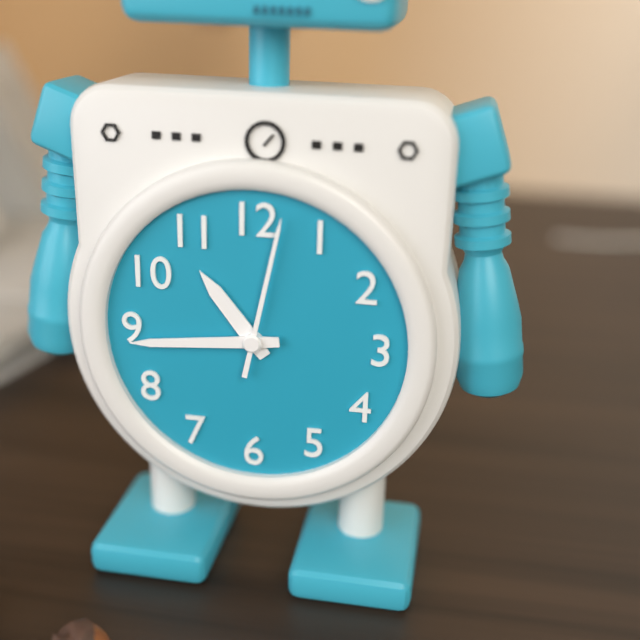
h=10 m=44 s=2
